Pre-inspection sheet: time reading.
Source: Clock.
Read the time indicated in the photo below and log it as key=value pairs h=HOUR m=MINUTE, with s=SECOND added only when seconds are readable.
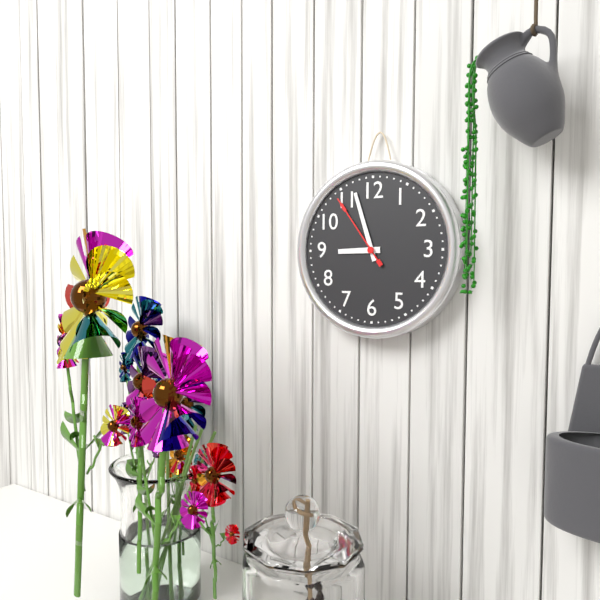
h=8 m=57 s=54
